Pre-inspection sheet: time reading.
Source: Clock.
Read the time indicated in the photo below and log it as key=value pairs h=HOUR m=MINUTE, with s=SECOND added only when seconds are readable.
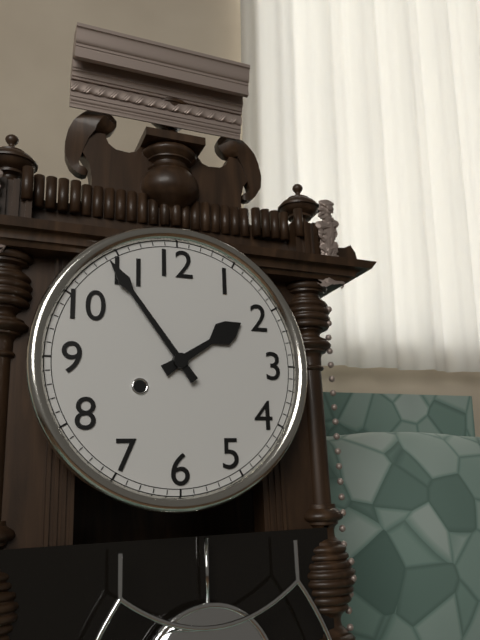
h=1 m=54
